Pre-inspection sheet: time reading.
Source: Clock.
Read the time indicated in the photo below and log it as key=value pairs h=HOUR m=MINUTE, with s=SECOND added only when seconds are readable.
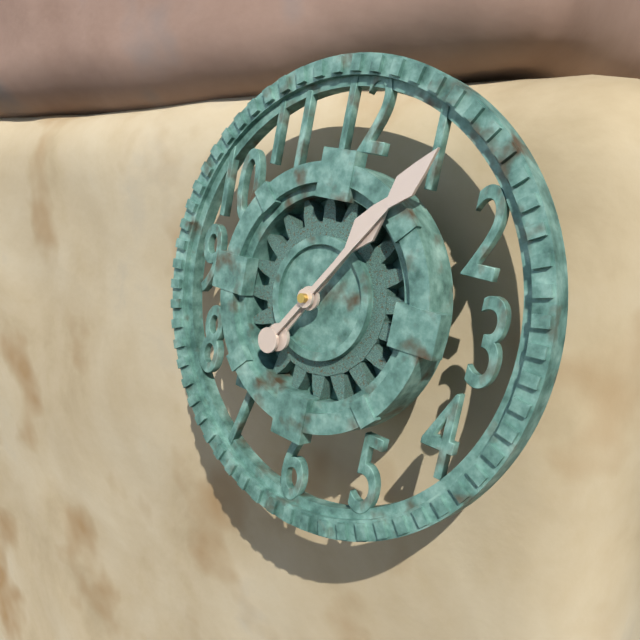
h=1 m=6
